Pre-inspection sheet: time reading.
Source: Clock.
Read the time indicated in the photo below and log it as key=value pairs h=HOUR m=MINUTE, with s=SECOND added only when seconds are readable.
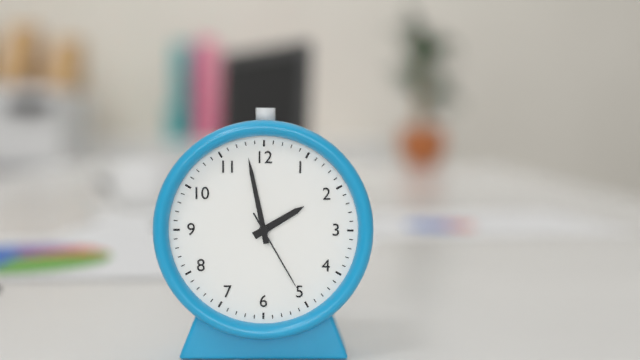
h=1 m=58 s=25
